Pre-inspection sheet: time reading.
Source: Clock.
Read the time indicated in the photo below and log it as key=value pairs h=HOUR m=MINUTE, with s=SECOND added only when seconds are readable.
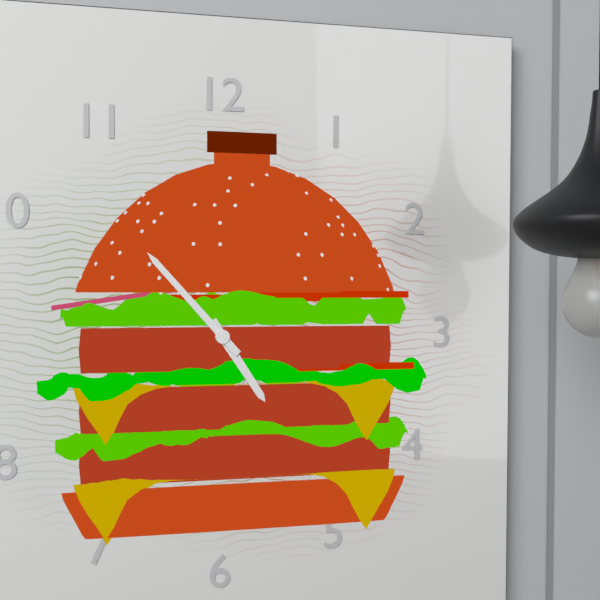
h=4 m=53
